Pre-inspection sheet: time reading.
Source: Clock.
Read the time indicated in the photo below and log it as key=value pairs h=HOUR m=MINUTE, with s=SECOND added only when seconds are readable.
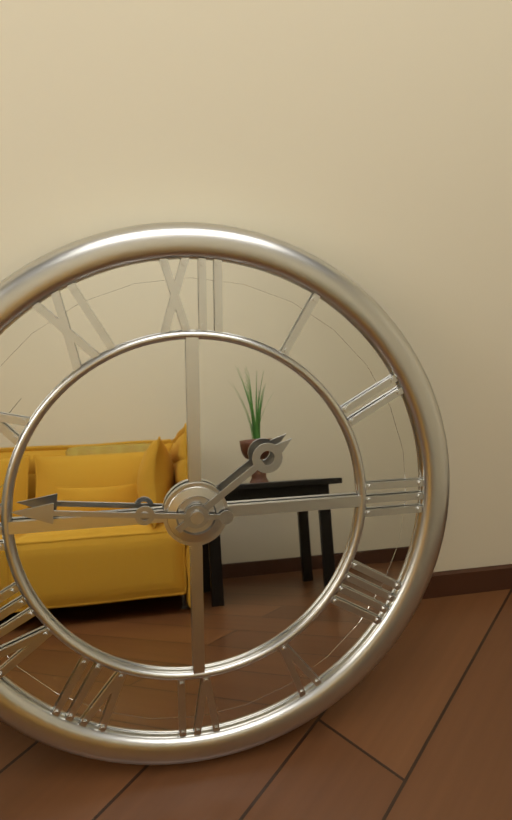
h=1 m=46
